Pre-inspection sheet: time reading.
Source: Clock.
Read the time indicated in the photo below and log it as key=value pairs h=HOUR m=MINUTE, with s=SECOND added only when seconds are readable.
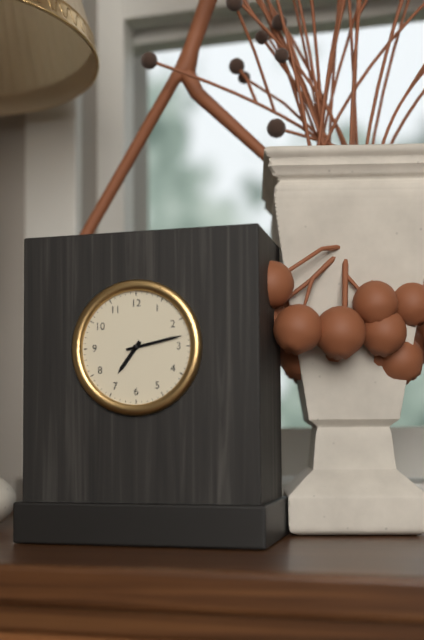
h=7 m=13
